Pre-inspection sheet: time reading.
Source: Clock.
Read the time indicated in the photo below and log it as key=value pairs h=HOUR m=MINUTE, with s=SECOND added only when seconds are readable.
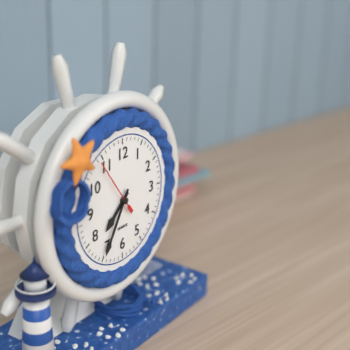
h=7 m=35 s=54
